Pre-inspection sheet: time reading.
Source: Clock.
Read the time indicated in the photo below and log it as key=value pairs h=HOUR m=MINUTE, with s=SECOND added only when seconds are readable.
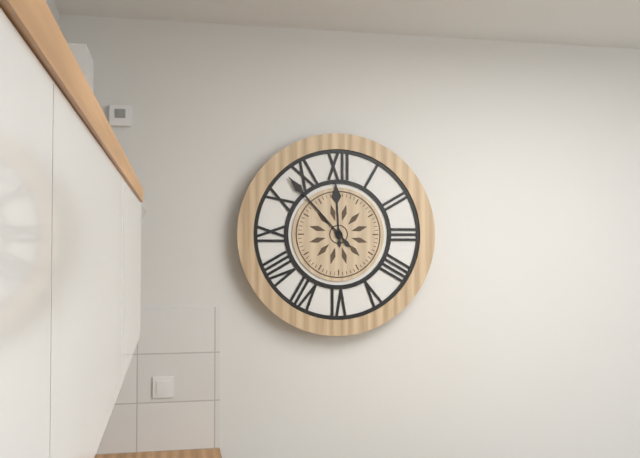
h=11 m=53
